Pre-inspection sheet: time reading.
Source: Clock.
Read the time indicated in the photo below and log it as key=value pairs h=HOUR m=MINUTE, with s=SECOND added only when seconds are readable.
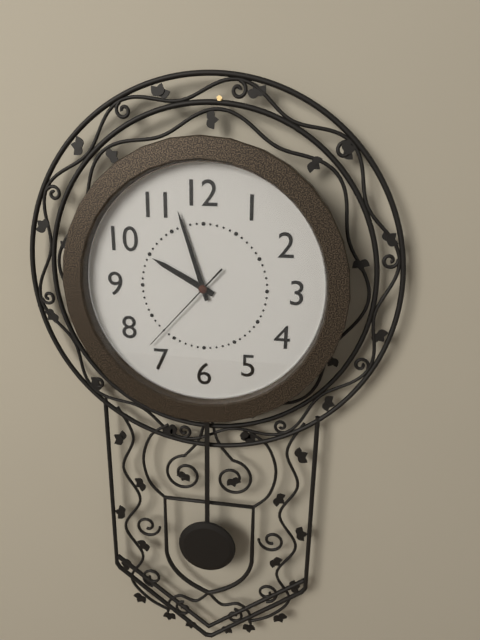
h=9 m=57 s=37
